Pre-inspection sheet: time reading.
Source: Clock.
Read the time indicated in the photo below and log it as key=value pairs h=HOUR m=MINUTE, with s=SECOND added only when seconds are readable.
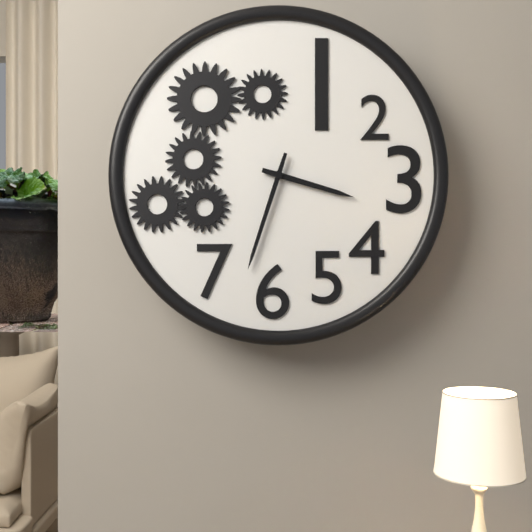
h=3 m=33
